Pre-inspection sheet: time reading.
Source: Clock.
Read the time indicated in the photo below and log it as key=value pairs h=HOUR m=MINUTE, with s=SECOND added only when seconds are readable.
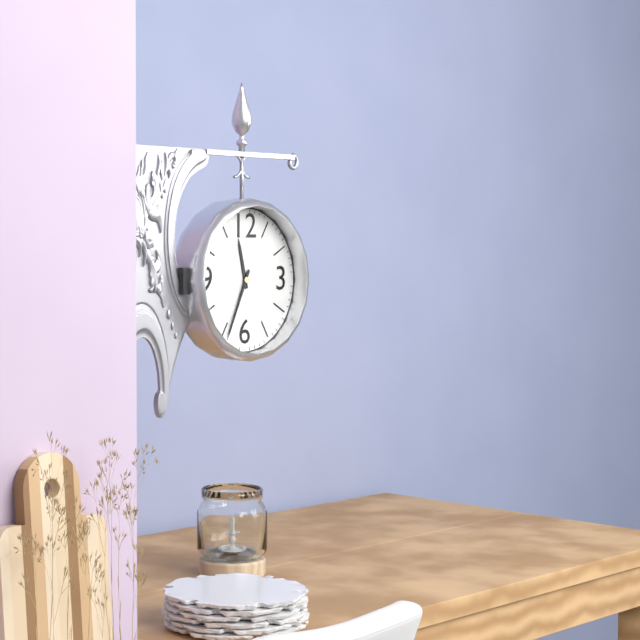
h=11 m=34
